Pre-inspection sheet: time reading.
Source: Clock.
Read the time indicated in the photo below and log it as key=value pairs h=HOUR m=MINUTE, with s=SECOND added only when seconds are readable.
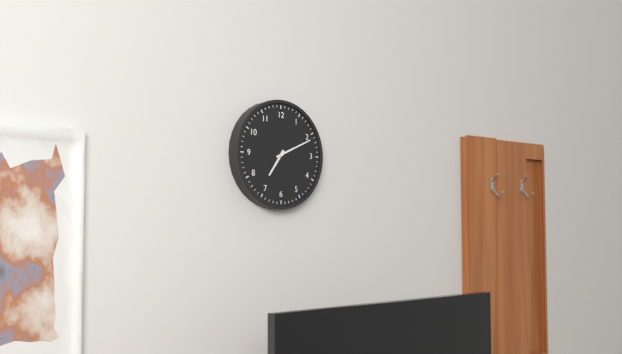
h=7 m=11
